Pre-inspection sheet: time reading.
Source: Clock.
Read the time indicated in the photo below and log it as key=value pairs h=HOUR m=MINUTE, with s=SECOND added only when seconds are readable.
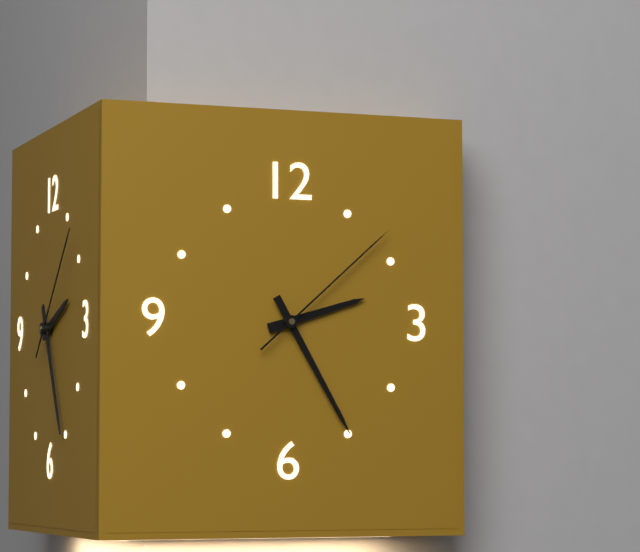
h=2 m=25 s=8
